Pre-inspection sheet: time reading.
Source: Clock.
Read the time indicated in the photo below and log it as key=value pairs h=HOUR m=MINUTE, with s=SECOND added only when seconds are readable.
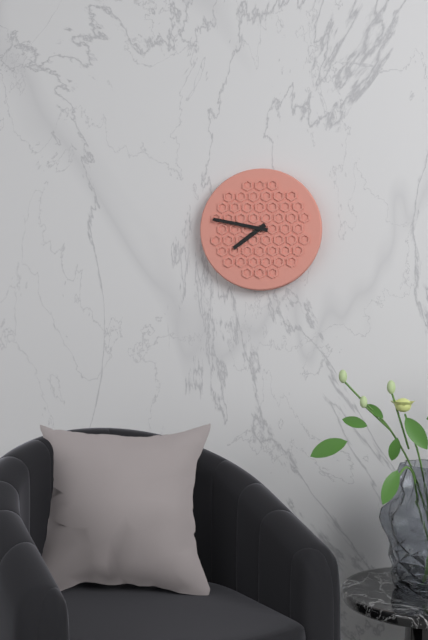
h=7 m=47
